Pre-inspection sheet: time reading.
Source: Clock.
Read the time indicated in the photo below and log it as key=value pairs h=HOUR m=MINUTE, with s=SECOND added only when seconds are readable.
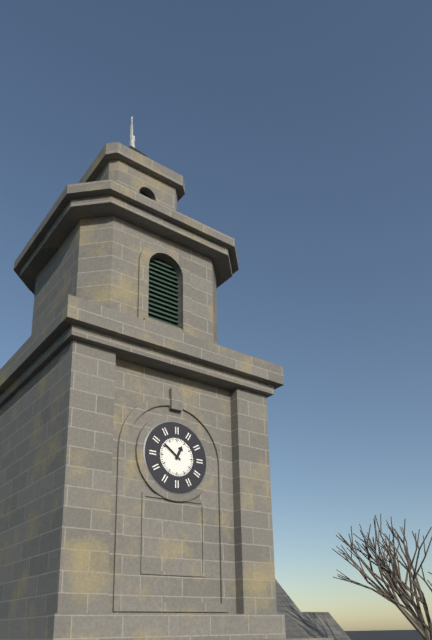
h=12 m=51
